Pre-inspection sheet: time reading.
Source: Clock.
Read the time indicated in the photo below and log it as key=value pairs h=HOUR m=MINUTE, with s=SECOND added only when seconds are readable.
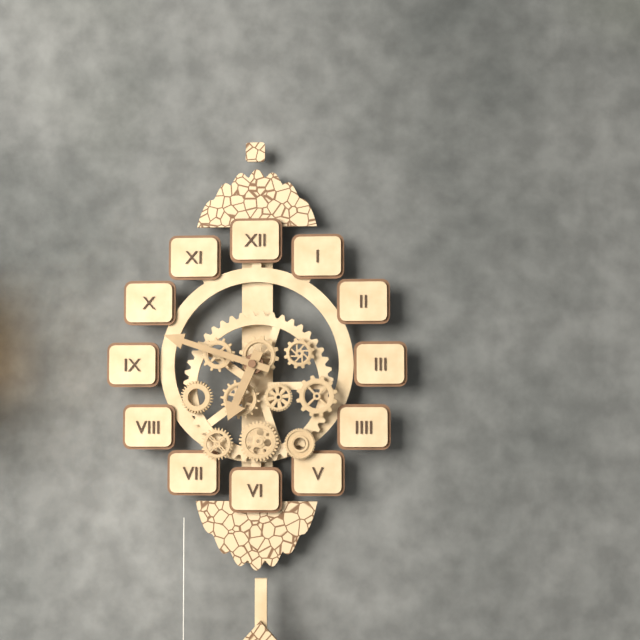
h=6 m=48
